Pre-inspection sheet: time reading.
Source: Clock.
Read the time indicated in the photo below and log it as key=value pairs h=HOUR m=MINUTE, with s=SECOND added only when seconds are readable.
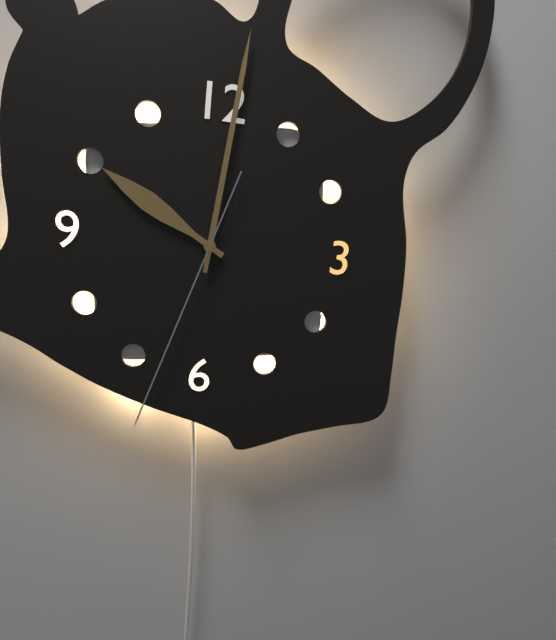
h=10 m=1 s=33
